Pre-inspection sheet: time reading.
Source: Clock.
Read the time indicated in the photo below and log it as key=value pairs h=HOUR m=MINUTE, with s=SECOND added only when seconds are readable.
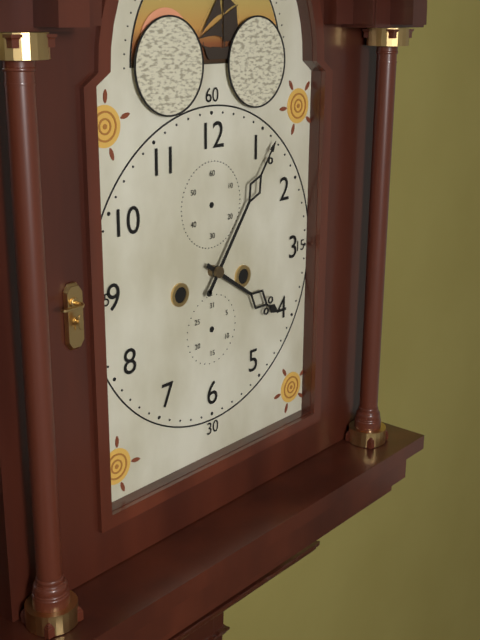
h=4 m=6
